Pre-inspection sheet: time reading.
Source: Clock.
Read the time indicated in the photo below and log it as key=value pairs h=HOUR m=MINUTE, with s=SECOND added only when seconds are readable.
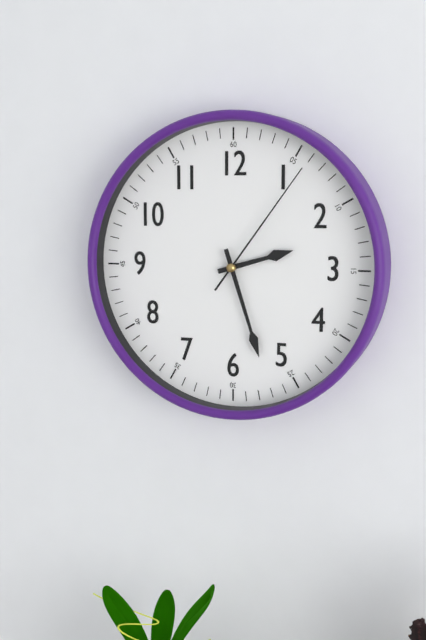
h=2 m=27 s=6
